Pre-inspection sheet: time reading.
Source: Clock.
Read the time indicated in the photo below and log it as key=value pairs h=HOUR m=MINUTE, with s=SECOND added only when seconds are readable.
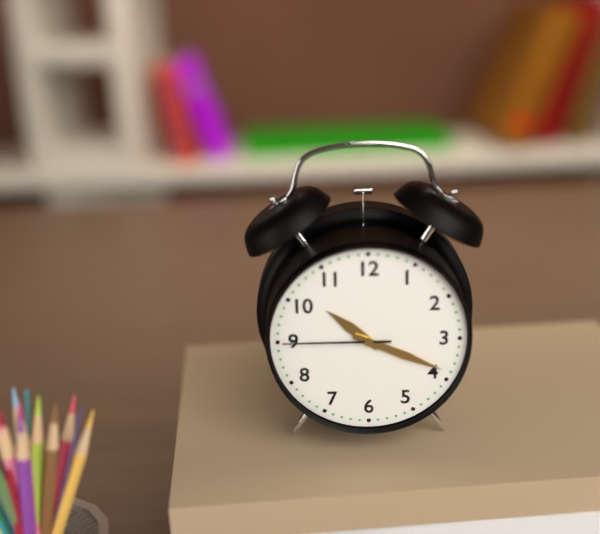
h=10 m=19 s=45
